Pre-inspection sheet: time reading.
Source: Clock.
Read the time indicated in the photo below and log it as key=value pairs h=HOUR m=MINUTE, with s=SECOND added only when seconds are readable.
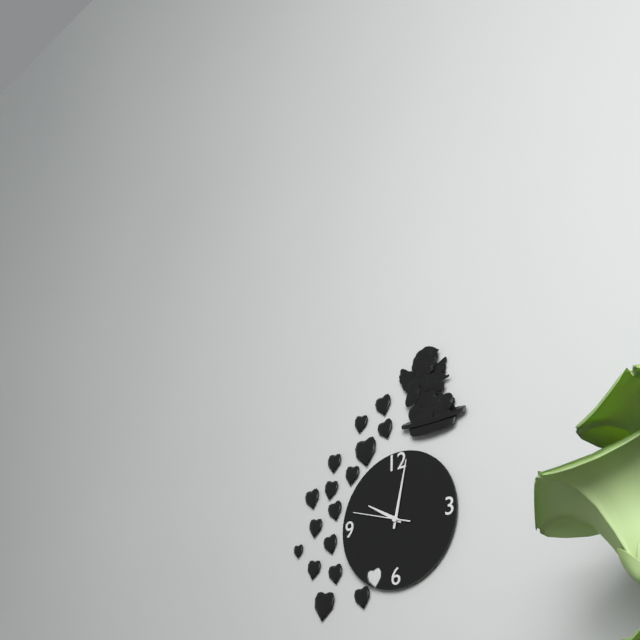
h=10 m=2 s=48
